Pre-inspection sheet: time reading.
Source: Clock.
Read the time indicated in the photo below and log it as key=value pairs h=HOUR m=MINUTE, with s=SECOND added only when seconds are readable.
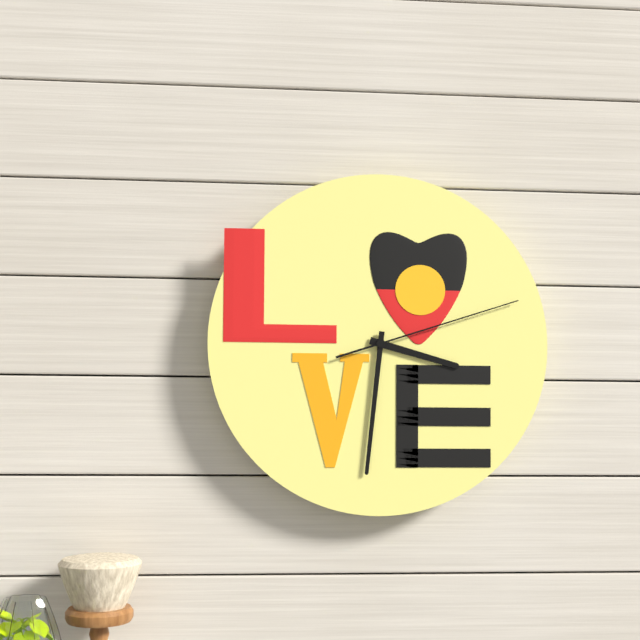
h=3 m=31 s=12
